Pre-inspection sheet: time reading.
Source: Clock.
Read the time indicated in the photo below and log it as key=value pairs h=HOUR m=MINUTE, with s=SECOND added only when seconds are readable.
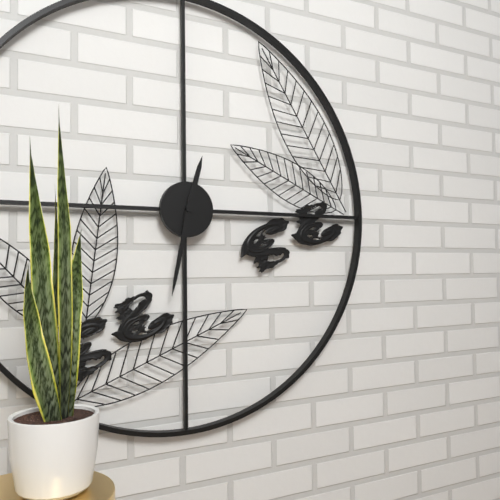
h=12 m=32
